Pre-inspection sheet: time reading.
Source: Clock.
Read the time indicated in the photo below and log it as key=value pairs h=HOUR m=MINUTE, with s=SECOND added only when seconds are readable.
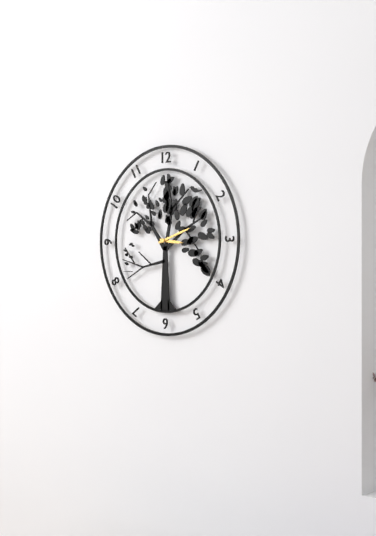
h=3 m=12
